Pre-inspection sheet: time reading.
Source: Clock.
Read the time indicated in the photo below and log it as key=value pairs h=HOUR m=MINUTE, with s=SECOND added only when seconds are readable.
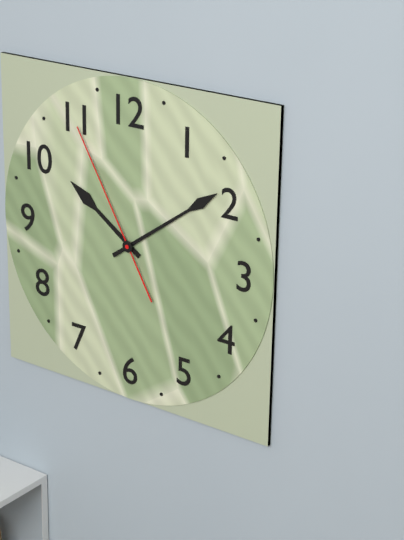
h=10 m=9 s=55
